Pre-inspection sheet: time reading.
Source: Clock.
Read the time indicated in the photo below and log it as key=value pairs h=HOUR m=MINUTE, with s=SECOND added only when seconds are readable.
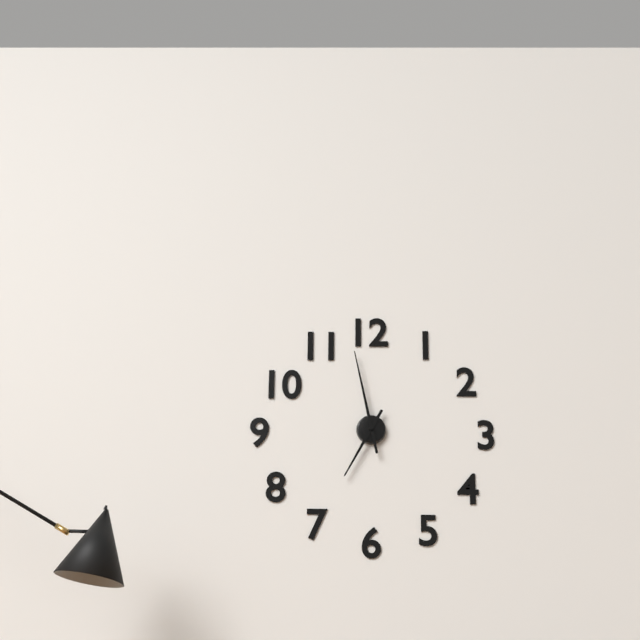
h=6 m=58
